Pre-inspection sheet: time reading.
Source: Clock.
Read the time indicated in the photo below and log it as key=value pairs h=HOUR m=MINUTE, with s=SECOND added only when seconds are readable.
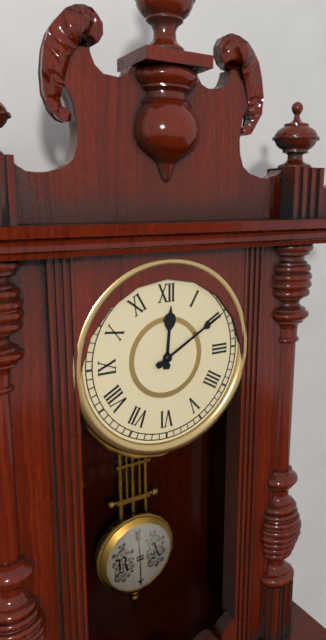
h=12 m=10
